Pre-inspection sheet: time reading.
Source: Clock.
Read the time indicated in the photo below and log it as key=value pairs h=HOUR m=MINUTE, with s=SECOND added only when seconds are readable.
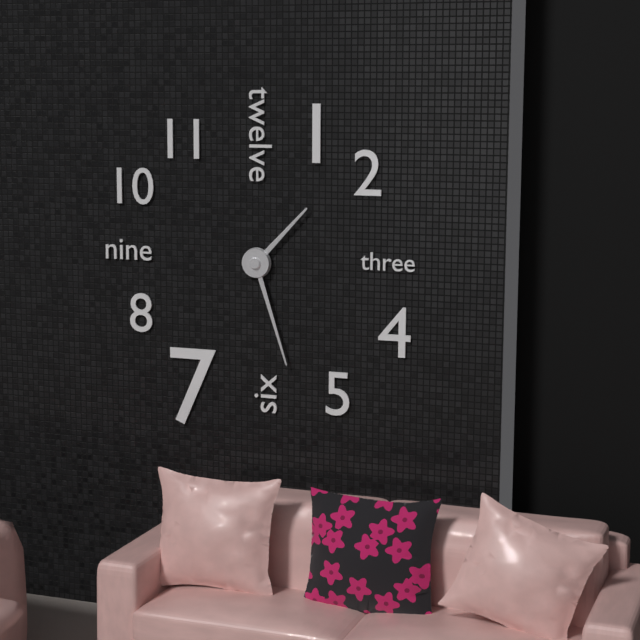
h=1 m=27
